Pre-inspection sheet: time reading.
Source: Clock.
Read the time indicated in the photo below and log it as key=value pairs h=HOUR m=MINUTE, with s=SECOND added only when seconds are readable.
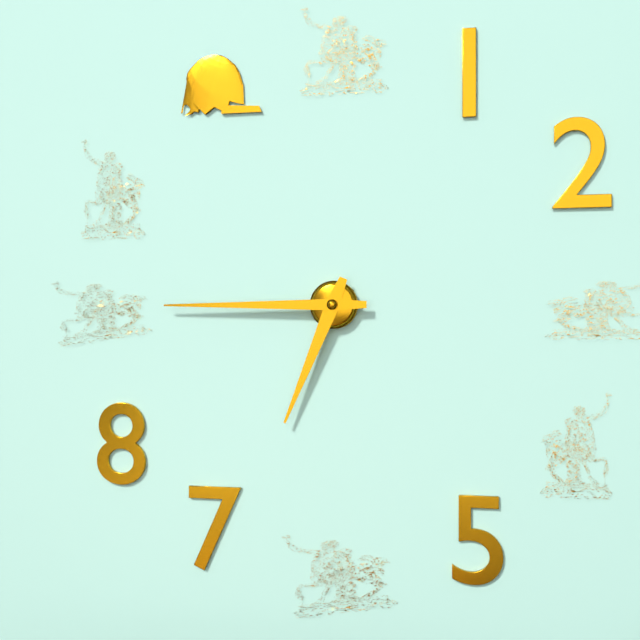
h=6 m=45
